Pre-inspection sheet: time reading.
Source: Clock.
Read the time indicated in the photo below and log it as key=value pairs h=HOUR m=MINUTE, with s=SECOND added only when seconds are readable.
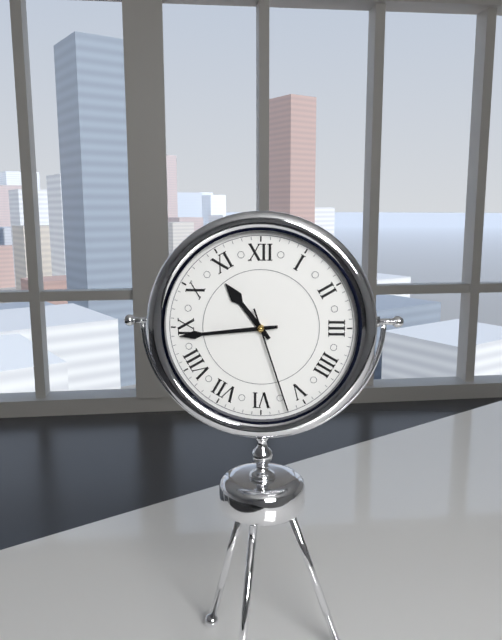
h=10 m=44 s=27
